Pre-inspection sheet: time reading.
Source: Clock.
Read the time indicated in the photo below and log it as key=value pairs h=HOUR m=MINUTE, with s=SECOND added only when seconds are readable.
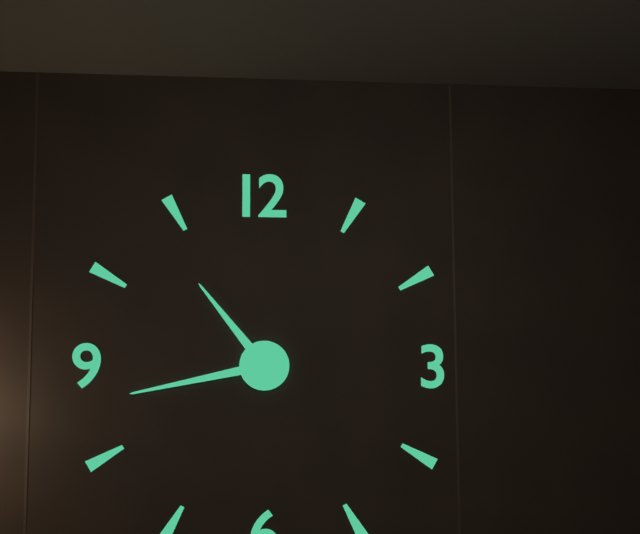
h=10 m=43
